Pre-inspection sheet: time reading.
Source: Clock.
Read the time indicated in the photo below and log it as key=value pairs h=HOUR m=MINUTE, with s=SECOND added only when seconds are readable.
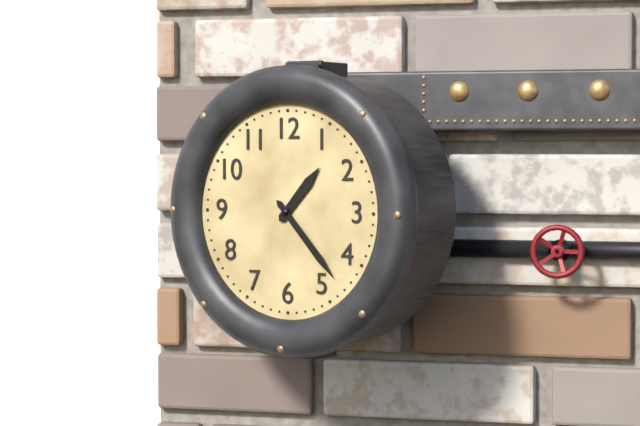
h=1 m=23
